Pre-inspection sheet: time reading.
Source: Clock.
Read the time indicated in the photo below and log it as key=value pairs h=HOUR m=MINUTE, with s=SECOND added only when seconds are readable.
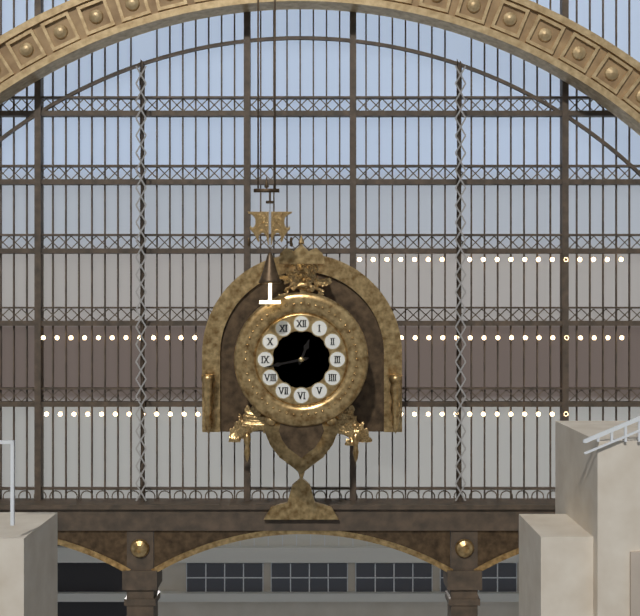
h=12 m=43
